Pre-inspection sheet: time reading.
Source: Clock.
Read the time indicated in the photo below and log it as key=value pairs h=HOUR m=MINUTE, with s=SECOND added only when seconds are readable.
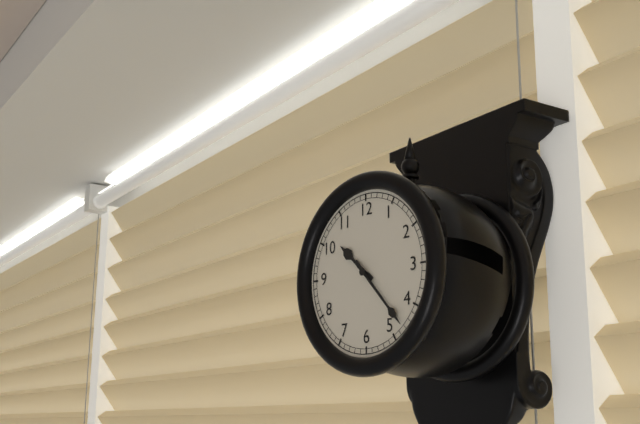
h=10 m=23
